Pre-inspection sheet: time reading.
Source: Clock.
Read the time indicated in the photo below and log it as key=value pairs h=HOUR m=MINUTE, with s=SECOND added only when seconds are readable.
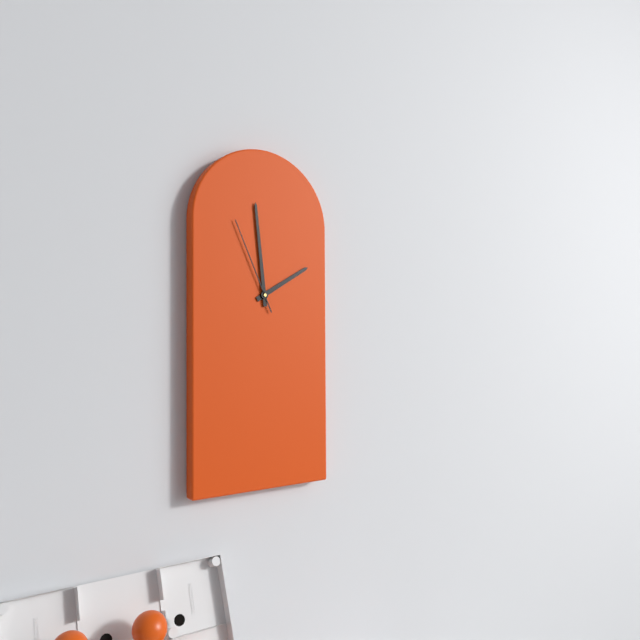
h=1 m=59 s=56
